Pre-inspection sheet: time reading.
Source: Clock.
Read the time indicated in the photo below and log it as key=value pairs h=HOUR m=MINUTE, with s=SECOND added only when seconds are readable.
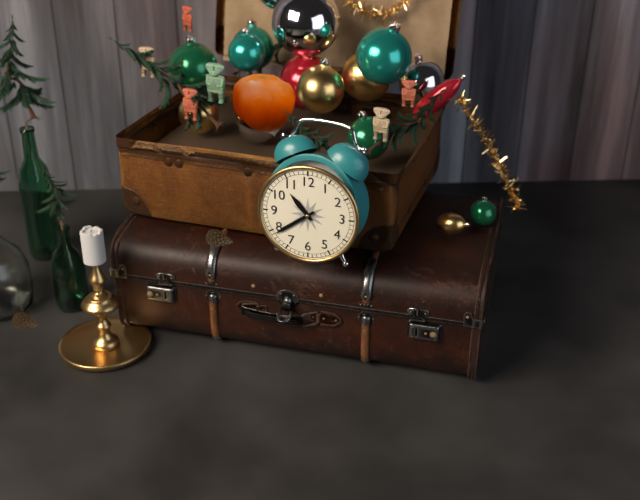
h=10 m=39
